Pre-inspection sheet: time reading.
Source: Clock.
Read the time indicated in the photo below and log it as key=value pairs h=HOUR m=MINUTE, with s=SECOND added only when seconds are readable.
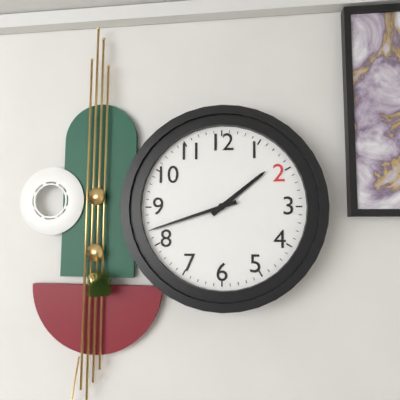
h=1 m=42
